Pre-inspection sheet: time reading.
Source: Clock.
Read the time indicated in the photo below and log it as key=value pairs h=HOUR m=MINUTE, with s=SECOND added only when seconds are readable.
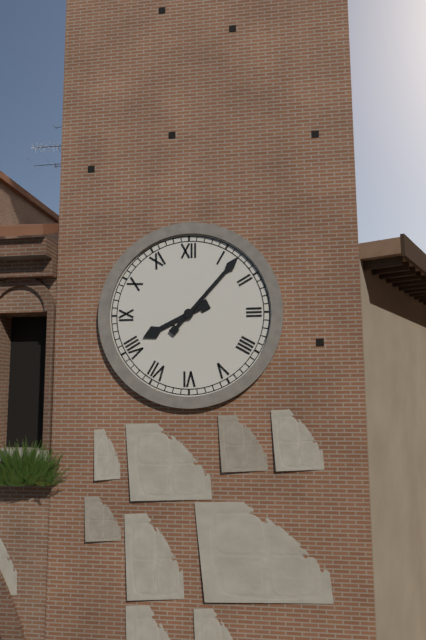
h=8 m=7
